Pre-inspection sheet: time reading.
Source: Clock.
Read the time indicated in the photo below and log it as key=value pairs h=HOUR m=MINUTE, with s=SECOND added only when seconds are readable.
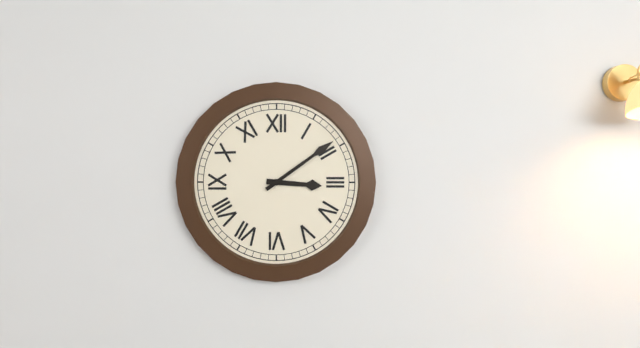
h=3 m=9
